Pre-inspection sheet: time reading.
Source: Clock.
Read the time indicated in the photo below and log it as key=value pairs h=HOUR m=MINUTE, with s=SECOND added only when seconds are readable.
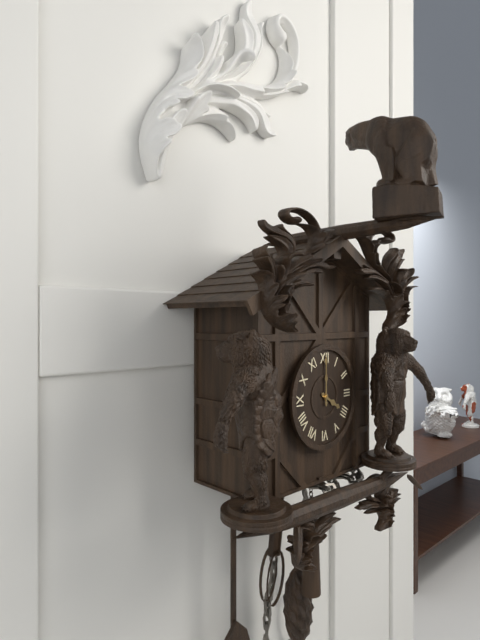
h=4 m=0
